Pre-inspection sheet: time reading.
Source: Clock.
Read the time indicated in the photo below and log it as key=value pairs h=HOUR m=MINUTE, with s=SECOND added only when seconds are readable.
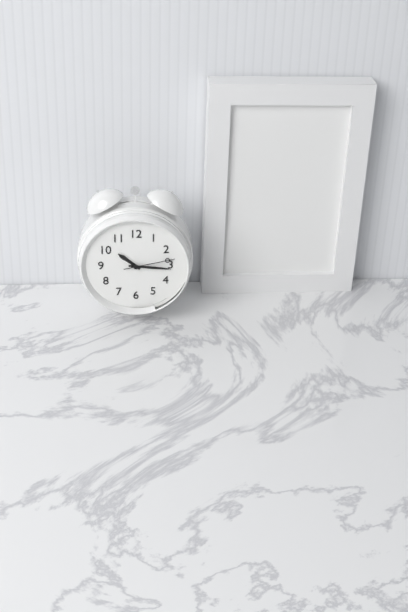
h=10 m=16
